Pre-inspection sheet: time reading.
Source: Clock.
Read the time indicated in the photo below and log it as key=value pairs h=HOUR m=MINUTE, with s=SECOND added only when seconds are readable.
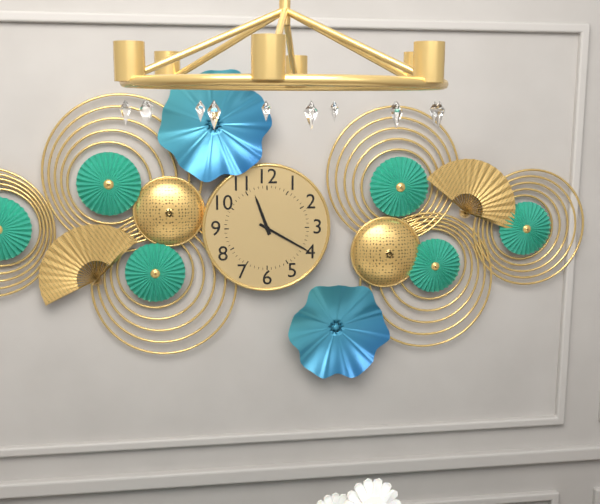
h=11 m=20
